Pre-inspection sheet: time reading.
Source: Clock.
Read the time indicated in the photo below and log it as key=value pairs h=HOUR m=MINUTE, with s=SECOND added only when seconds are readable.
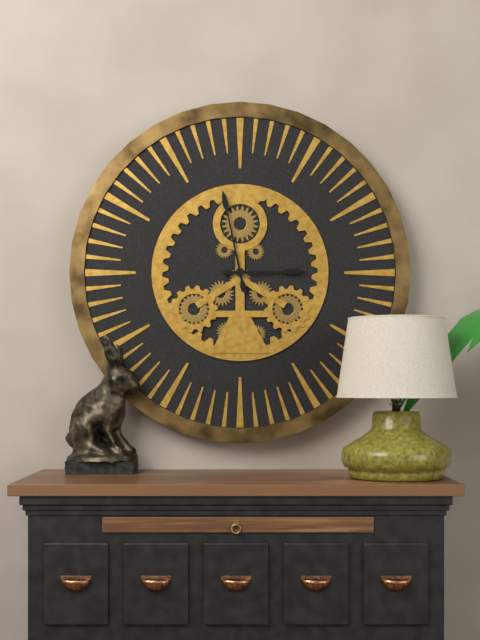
h=2 m=58
